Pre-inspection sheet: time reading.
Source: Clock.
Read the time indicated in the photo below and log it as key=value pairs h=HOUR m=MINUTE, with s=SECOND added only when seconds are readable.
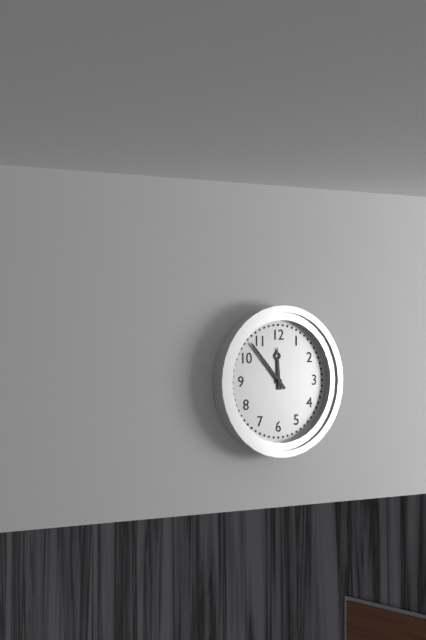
h=11 m=53
